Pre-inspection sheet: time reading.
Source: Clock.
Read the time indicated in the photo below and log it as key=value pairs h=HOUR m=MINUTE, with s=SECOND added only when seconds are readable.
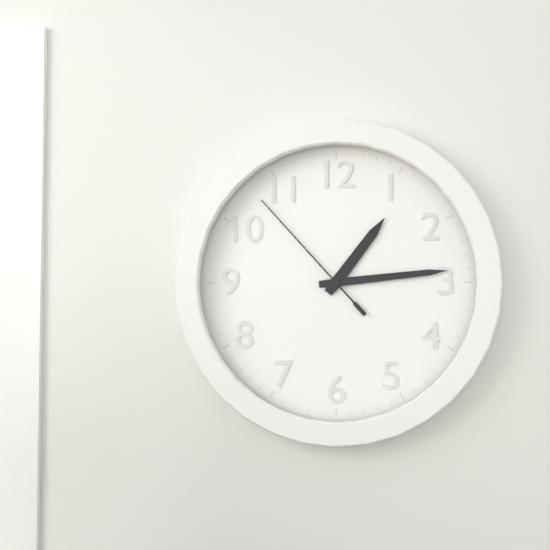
h=1 m=14 s=53
